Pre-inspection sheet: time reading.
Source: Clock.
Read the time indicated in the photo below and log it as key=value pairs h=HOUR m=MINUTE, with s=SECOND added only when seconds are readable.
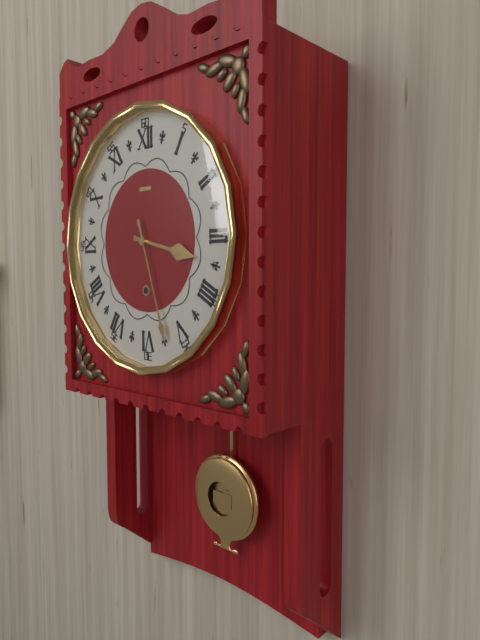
h=3 m=27
